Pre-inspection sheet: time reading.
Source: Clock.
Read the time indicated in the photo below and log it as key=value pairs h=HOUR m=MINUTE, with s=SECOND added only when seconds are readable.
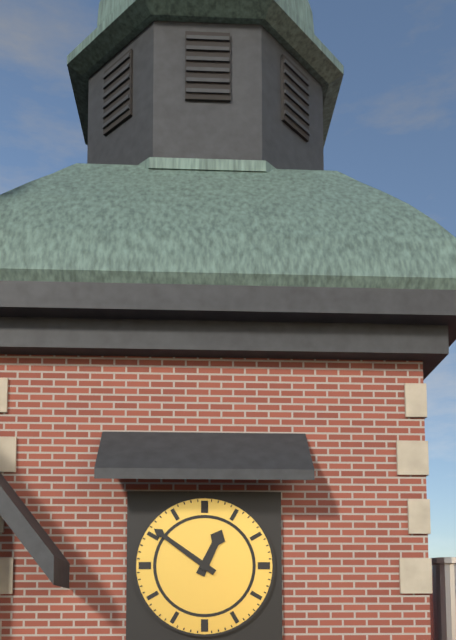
h=12 m=51
